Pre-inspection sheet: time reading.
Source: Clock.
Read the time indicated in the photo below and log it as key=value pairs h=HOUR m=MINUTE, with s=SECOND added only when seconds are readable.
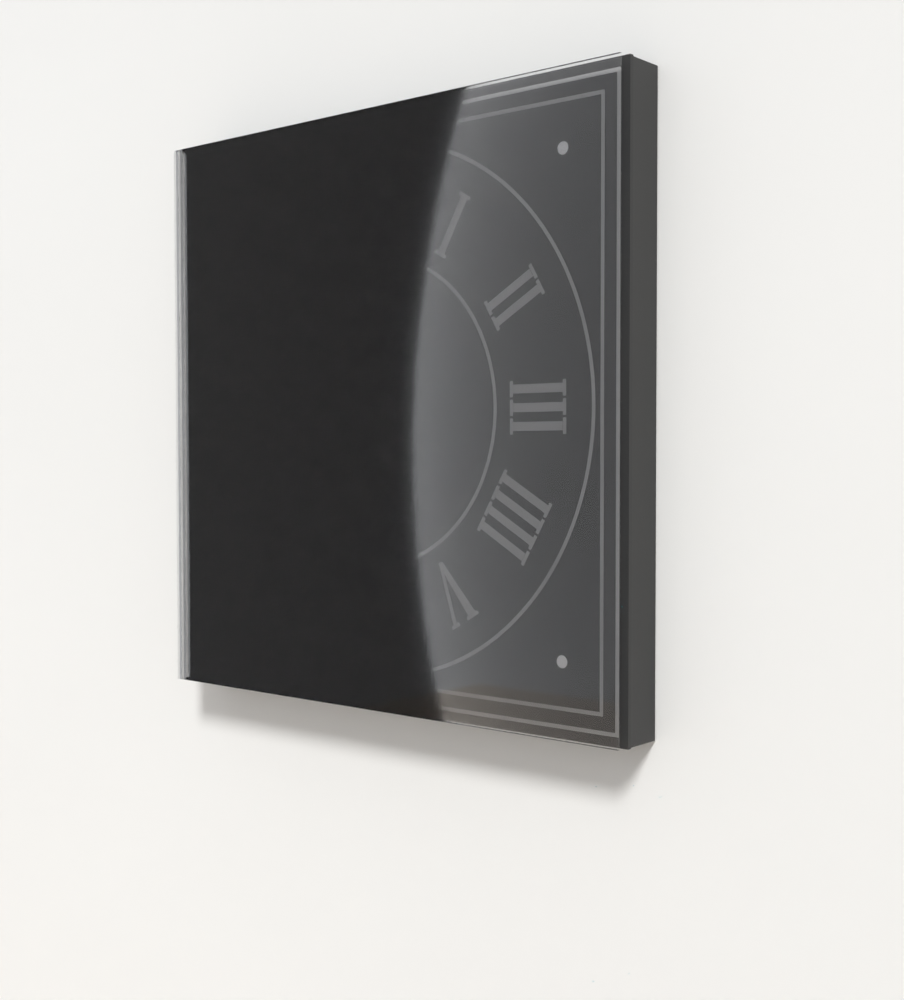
h=9 m=44
